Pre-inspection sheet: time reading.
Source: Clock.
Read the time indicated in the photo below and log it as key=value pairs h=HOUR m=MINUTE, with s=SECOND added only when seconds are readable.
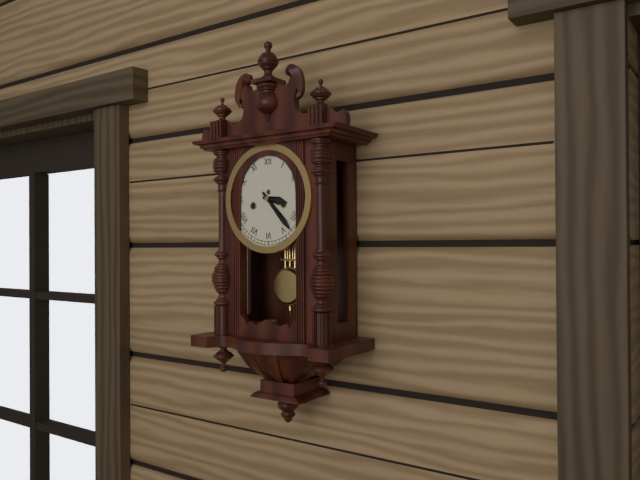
h=3 m=23
